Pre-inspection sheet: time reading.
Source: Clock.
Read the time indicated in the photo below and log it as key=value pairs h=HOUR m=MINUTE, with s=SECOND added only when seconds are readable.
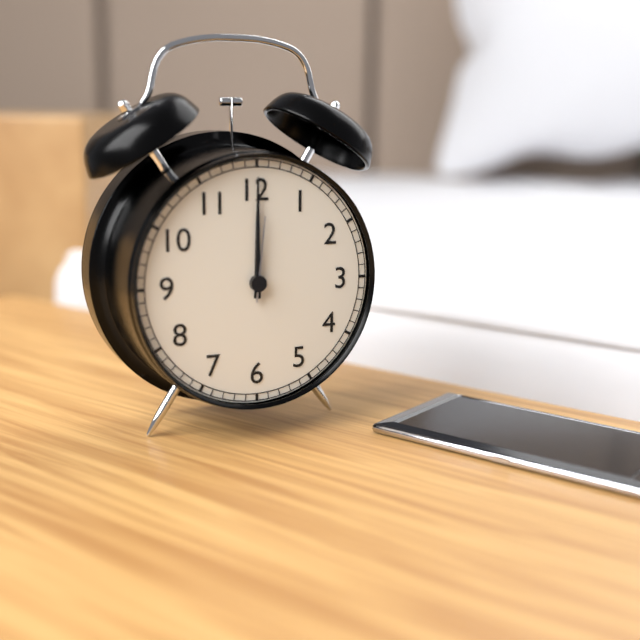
h=12 m=0 s=1
